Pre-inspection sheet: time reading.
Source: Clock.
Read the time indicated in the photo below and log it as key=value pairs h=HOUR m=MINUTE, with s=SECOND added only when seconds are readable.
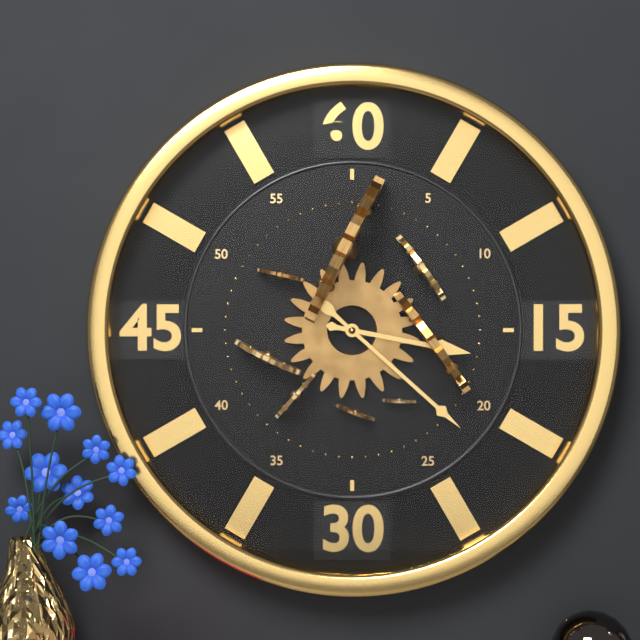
h=3 m=22
